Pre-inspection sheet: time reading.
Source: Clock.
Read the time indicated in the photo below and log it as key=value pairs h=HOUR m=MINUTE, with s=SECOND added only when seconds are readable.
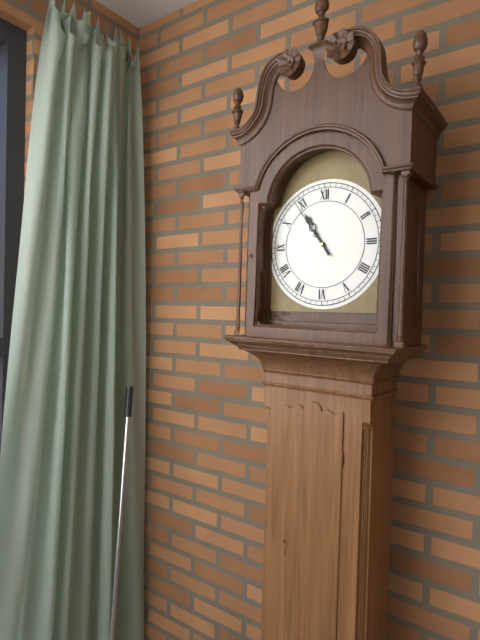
h=10 m=54
